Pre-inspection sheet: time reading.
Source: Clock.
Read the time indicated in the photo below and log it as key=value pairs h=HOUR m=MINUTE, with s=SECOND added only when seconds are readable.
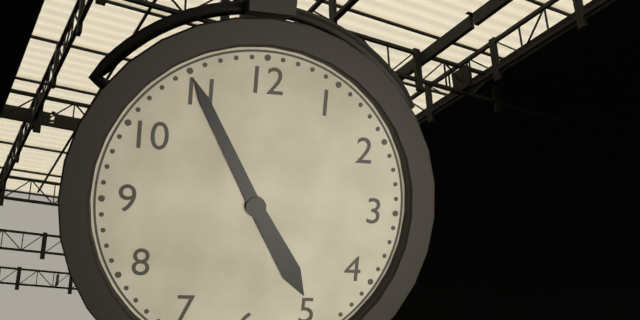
h=4 m=55
